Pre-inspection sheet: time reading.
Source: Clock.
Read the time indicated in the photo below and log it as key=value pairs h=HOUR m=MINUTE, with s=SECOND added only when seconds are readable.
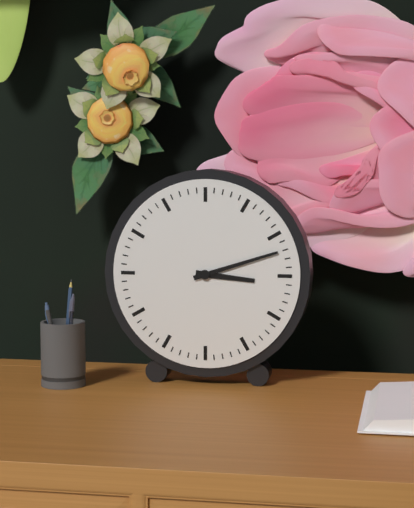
h=3 m=12
